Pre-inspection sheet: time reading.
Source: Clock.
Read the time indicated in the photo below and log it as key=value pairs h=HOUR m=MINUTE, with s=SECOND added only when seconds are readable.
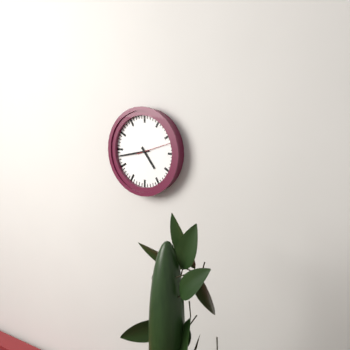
h=4 m=43
